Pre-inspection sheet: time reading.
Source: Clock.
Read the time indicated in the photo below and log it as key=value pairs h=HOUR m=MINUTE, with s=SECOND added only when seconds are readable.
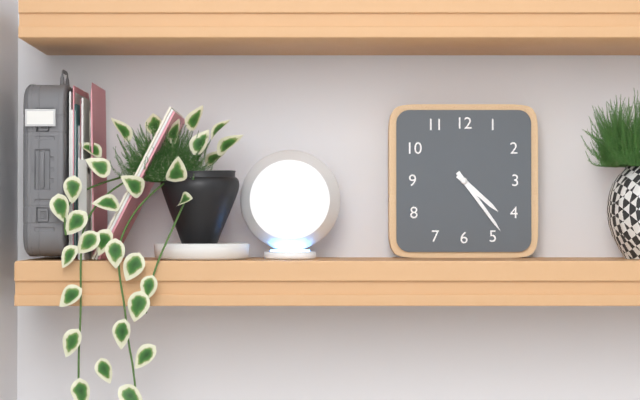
h=4 m=24
